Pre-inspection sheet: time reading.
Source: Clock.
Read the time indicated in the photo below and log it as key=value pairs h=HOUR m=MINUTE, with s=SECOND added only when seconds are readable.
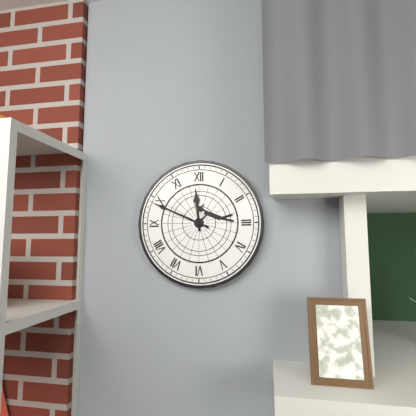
h=11 m=49
